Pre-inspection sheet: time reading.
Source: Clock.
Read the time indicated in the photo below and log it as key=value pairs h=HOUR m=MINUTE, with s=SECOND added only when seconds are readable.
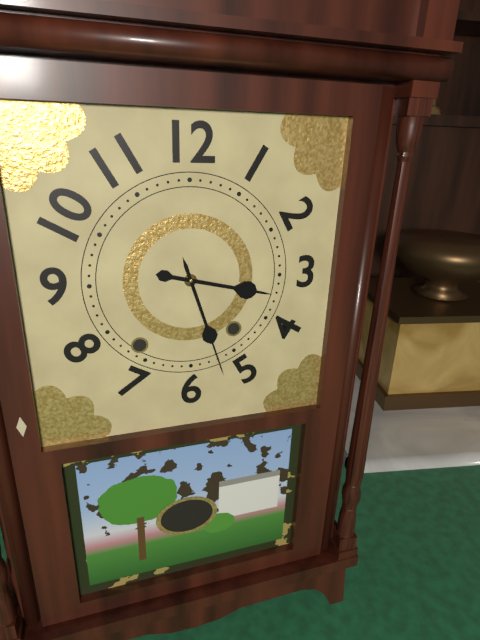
h=3 m=27
